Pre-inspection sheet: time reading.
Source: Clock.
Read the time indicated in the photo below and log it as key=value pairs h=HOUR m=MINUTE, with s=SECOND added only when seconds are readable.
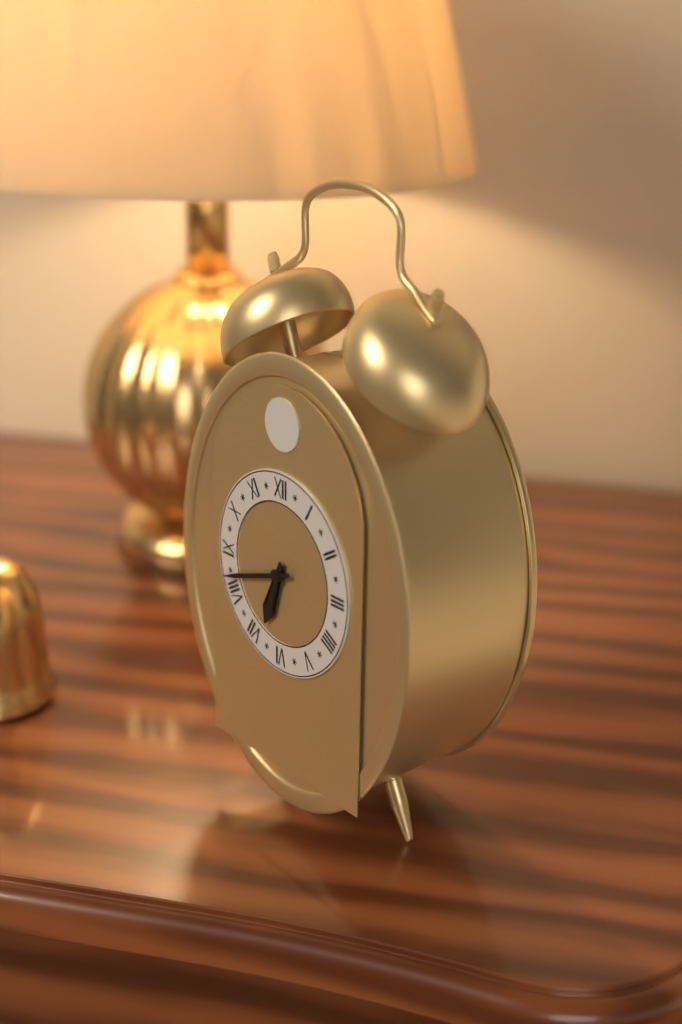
h=6 m=42
